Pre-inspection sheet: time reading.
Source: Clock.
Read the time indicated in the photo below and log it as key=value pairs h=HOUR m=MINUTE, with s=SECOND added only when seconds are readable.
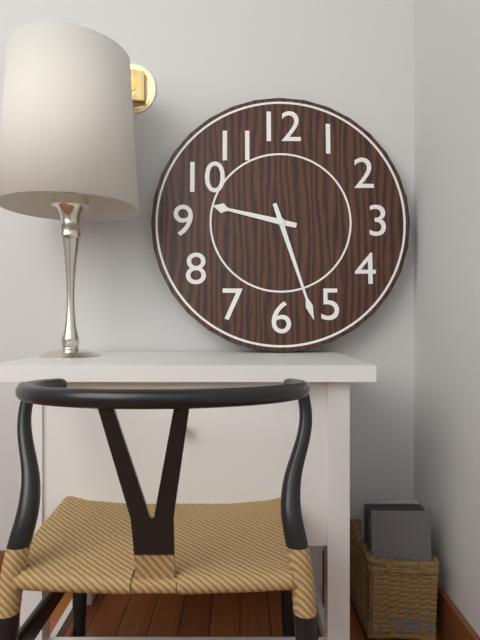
h=9 m=27
